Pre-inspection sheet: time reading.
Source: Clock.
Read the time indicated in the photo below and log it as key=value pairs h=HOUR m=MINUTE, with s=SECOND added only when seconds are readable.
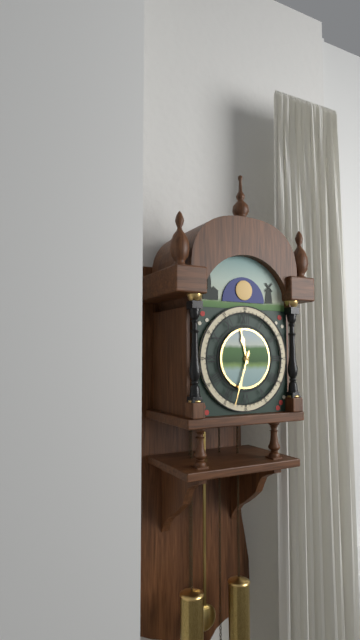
h=11 m=33
